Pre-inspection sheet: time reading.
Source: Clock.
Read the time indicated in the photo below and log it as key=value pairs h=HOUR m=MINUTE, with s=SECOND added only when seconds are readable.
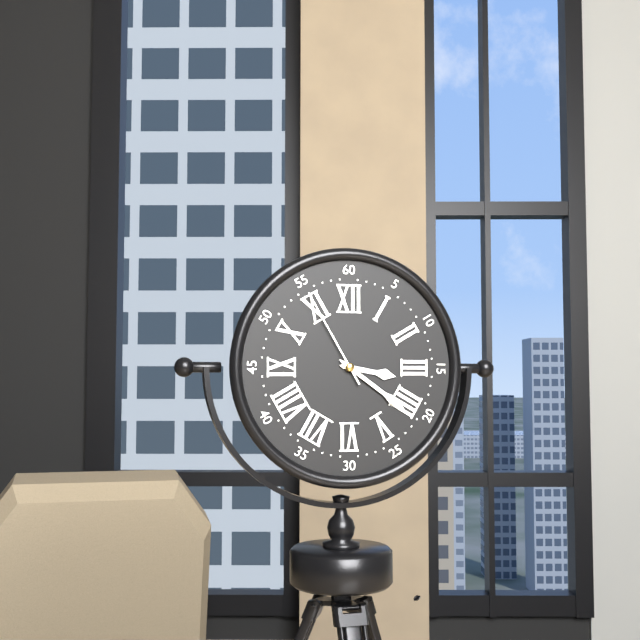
h=3 m=21 s=55
